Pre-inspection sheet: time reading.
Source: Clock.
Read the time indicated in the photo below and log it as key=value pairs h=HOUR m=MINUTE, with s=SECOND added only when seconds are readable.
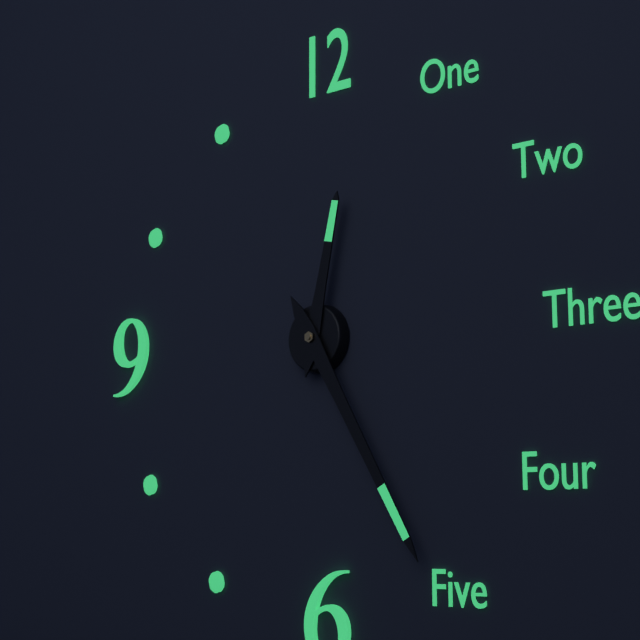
h=12 m=25
